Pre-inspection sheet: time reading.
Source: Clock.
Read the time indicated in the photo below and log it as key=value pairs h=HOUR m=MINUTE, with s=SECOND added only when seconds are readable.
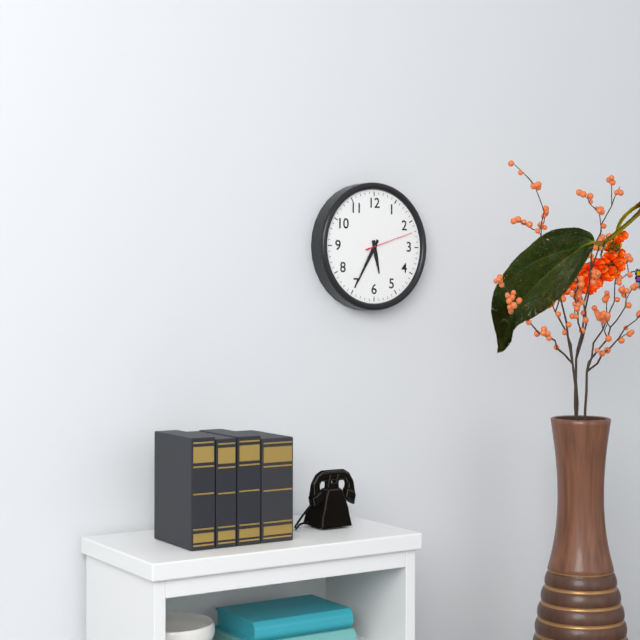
h=5 m=35
